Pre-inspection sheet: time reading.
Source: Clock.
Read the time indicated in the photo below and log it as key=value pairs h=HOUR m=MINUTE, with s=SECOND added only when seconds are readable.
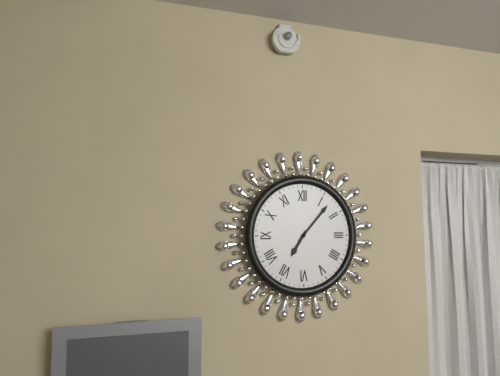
h=7 m=7
